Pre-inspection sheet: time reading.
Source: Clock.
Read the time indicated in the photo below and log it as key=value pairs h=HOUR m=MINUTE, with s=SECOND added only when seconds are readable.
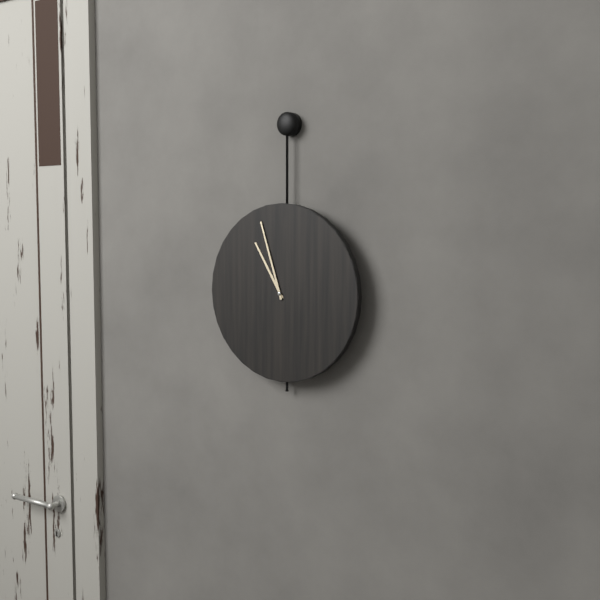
h=10 m=57
